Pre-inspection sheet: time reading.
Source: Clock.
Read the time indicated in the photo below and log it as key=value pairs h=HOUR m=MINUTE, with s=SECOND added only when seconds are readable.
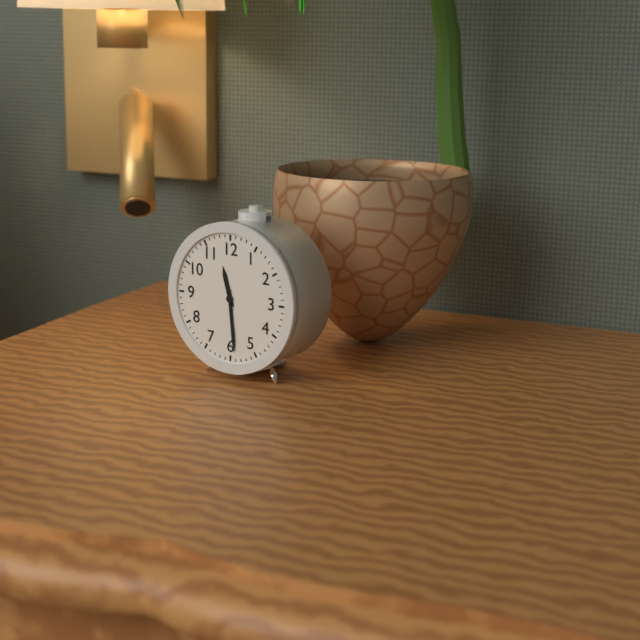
h=11 m=29
